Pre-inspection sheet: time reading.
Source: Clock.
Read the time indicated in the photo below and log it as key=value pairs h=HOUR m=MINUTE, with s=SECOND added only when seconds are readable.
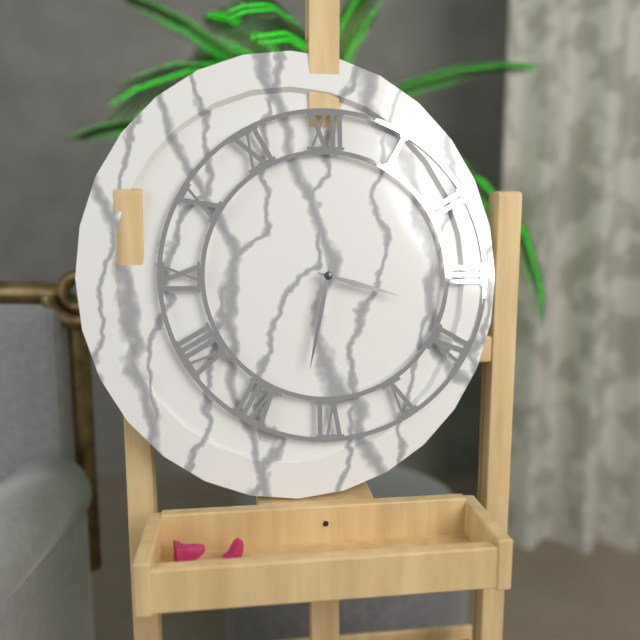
h=3 m=32
